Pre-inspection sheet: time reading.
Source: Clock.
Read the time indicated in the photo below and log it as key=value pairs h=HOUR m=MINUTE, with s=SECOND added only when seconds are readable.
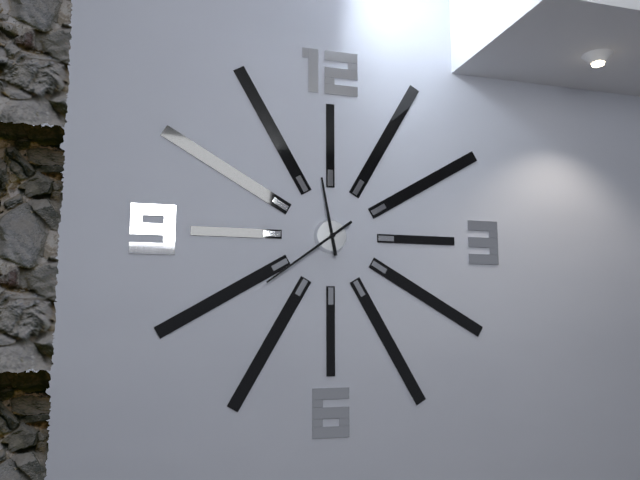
h=11 m=39
